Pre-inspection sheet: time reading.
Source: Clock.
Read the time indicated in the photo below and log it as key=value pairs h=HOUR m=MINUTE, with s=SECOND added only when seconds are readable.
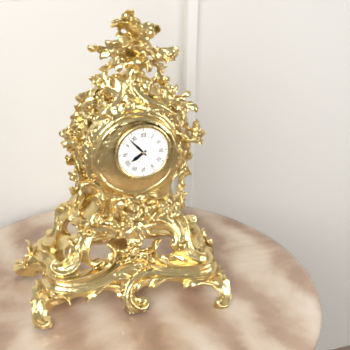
h=7 m=53
